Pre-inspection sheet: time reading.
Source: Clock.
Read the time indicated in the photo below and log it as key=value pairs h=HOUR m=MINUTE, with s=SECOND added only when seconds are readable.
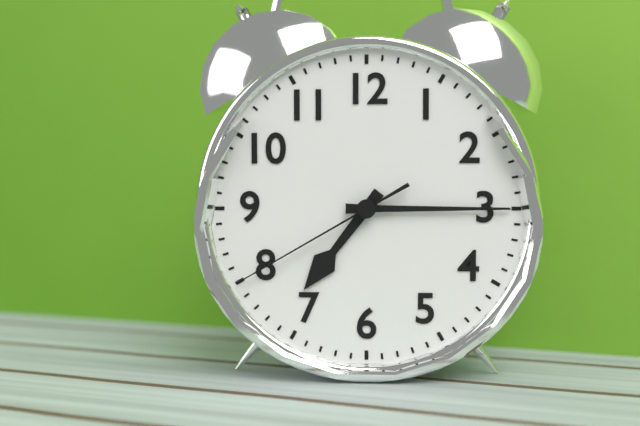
h=7 m=15 s=40
